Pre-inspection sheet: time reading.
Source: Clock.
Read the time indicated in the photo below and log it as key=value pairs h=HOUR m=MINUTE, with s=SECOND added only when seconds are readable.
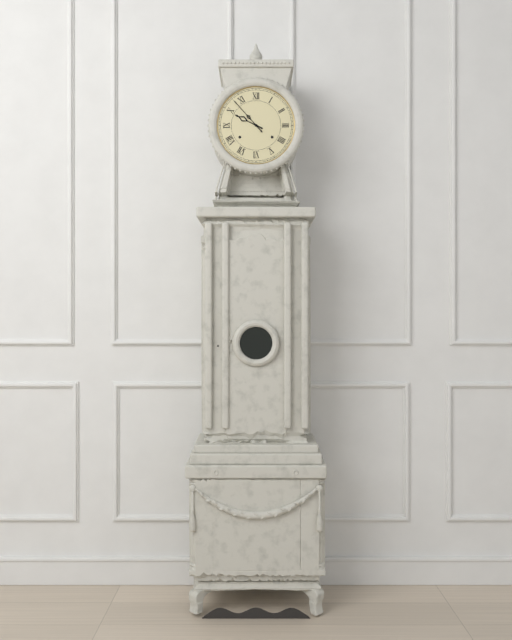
h=9 m=53
